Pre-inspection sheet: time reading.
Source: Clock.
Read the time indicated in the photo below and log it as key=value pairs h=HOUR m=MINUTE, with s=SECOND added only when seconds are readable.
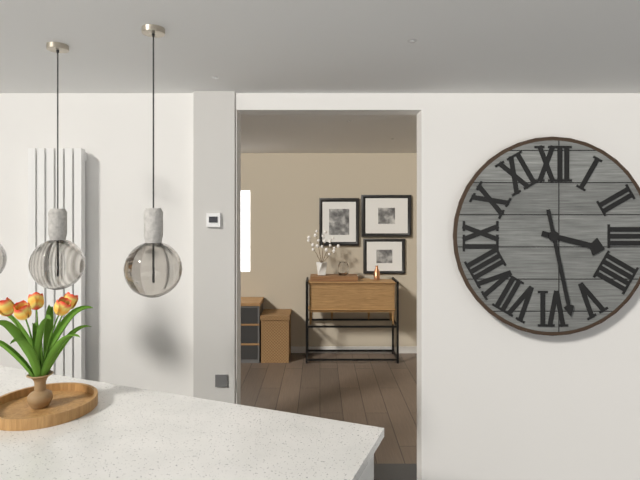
h=3 m=28
